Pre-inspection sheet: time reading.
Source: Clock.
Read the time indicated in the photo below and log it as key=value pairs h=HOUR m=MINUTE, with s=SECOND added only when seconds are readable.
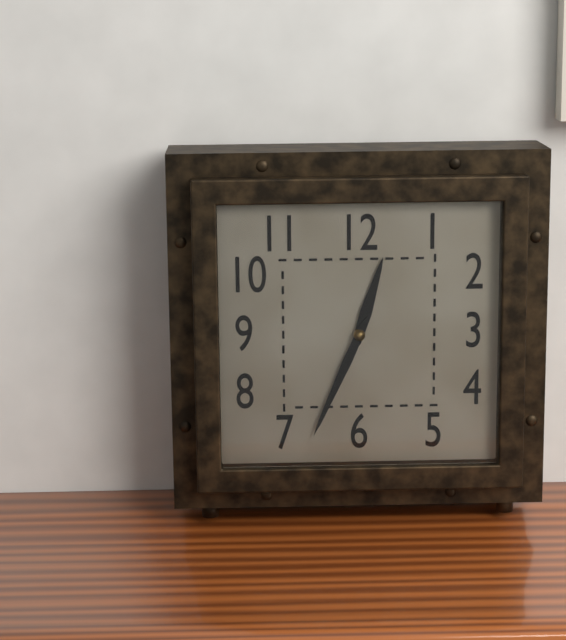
h=12 m=34
